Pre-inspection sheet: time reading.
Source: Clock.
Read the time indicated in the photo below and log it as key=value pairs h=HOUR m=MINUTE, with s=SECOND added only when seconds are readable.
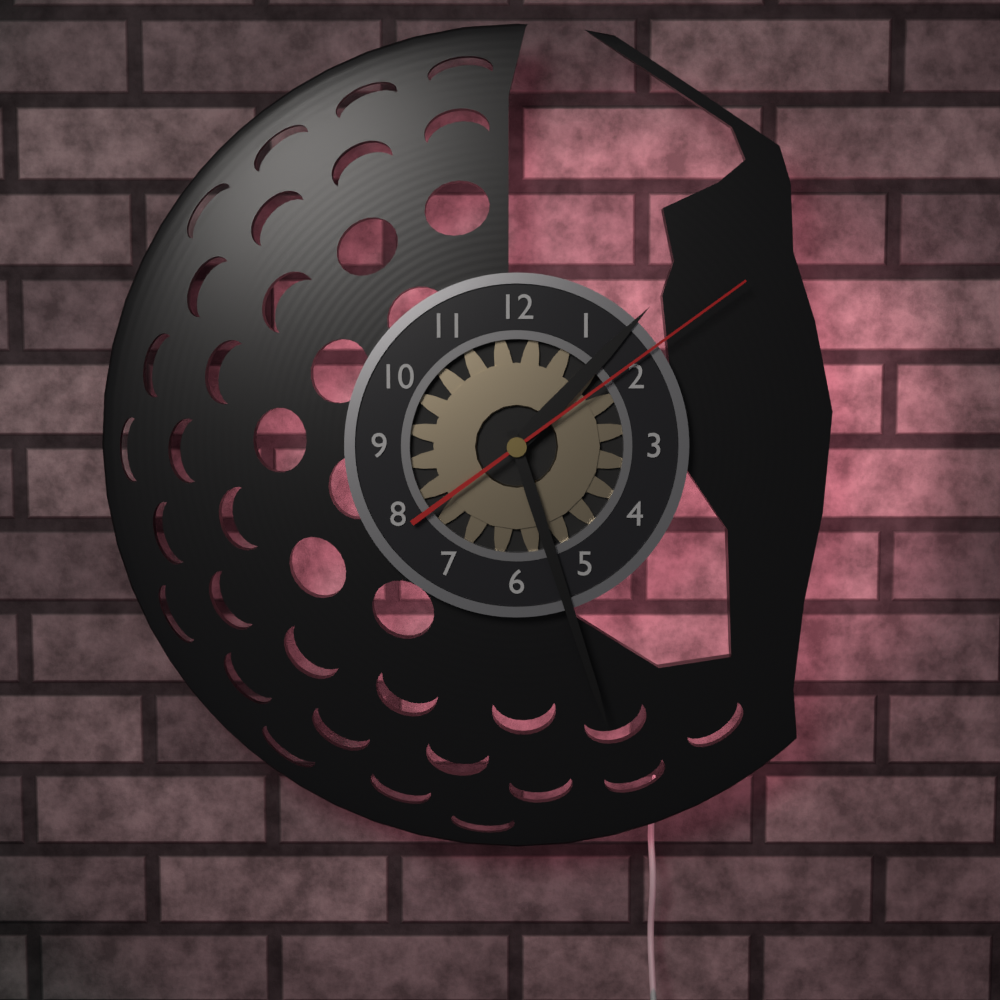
h=1 m=27 s=9
